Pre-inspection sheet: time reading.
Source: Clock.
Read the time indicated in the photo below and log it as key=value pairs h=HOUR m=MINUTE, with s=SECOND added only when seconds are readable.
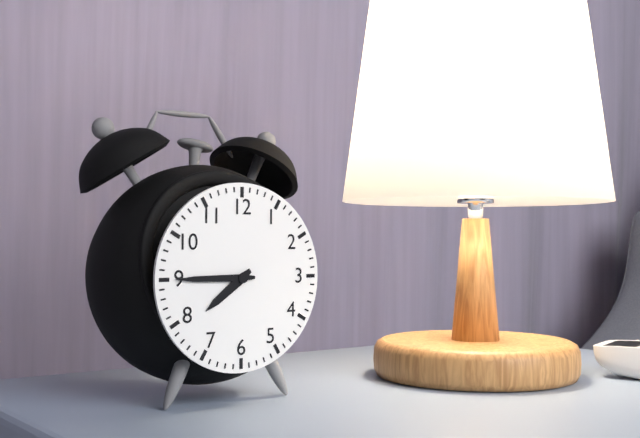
h=7 m=45
